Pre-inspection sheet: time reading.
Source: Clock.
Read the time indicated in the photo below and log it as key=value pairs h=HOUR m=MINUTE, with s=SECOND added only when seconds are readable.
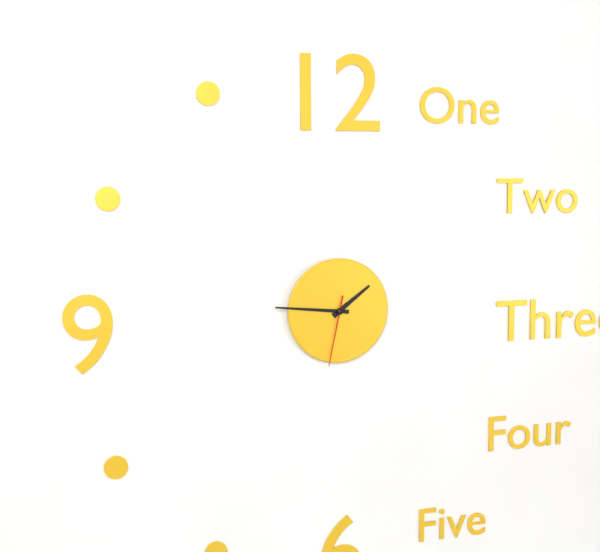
h=1 m=46 s=32
